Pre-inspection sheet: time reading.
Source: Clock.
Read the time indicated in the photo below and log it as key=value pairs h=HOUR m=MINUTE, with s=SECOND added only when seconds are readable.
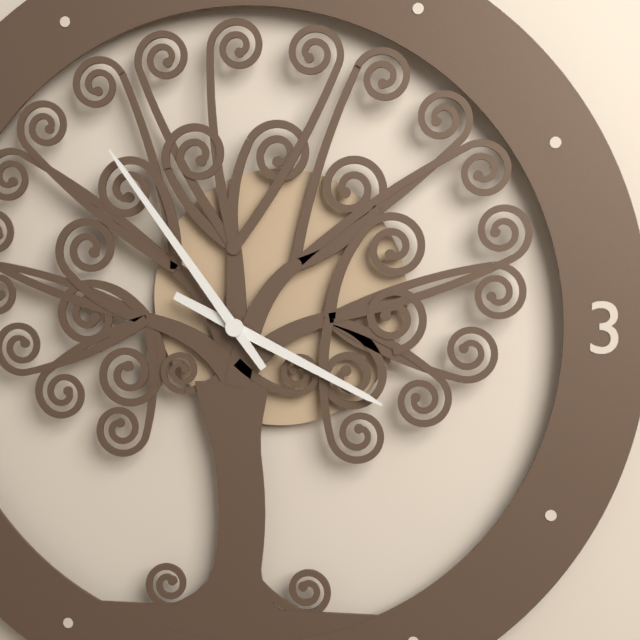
h=3 m=54
